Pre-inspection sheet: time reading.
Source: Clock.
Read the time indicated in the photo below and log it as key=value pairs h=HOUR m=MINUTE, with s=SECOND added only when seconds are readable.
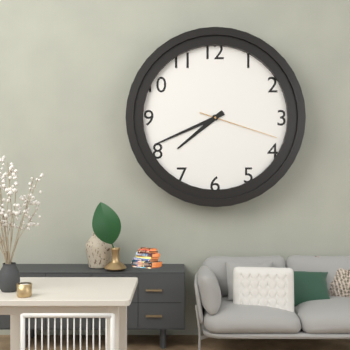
h=7 m=41 s=18
